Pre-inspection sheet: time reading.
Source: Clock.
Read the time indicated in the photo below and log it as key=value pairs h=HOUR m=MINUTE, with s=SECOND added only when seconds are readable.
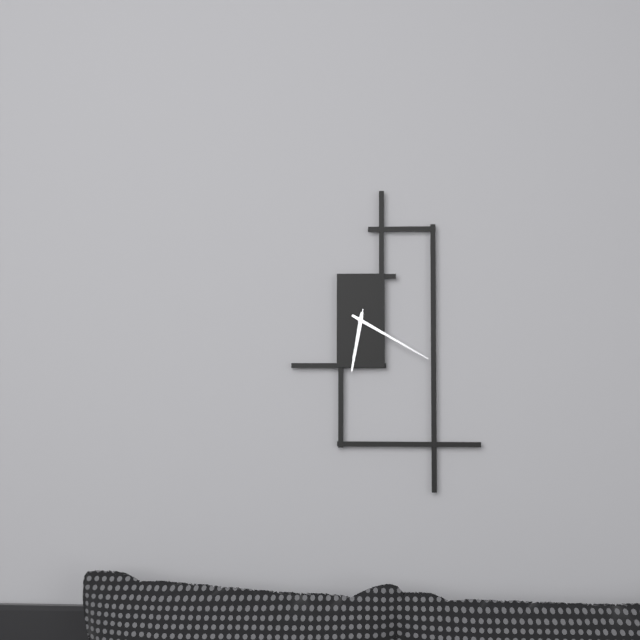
h=6 m=20 s=32
